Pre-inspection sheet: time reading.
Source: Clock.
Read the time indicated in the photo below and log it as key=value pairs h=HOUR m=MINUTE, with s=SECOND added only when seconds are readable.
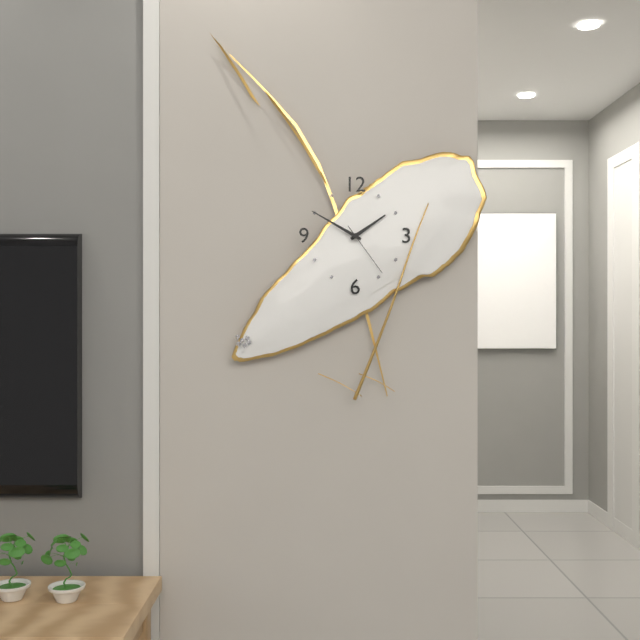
h=1 m=50 s=24
